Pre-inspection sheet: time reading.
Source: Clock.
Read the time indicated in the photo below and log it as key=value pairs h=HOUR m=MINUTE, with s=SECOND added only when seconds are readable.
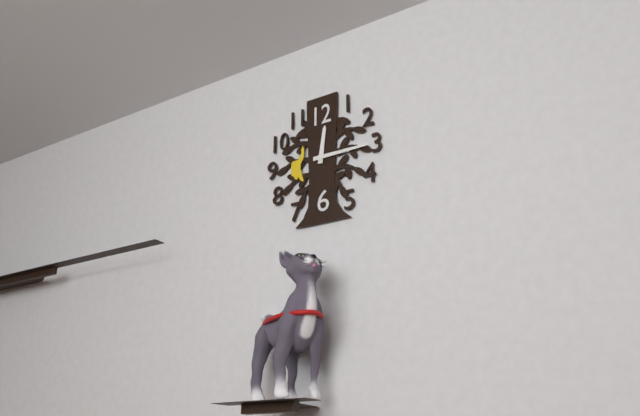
h=12 m=15
